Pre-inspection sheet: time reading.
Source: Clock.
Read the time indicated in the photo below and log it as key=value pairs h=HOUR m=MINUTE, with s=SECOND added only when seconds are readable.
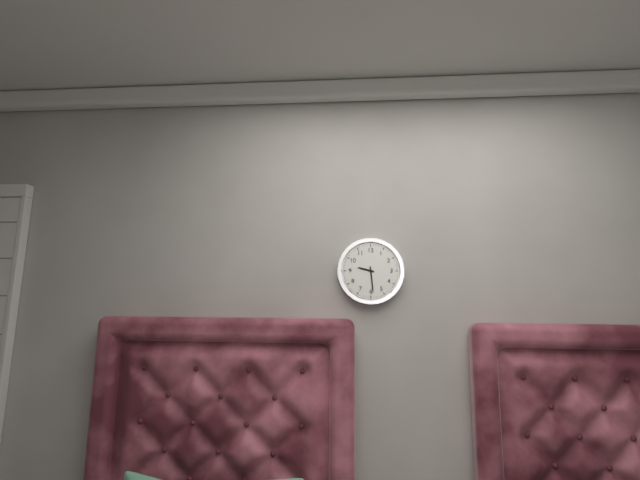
h=9 m=29
